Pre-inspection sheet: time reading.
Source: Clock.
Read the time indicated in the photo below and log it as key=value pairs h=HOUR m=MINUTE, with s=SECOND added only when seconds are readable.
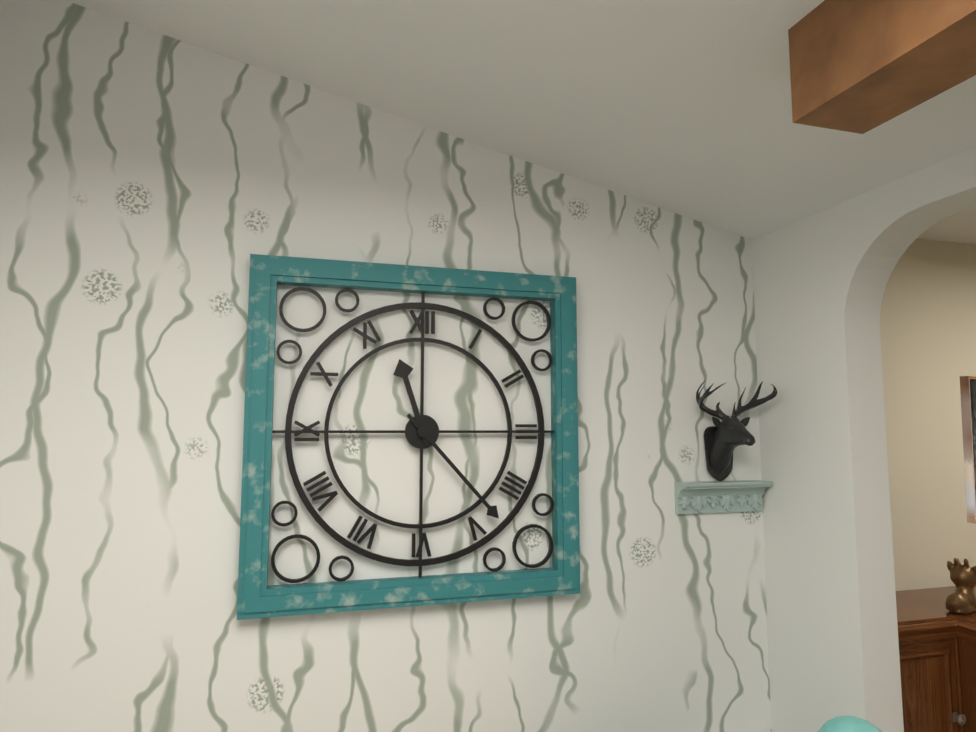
h=11 m=23
